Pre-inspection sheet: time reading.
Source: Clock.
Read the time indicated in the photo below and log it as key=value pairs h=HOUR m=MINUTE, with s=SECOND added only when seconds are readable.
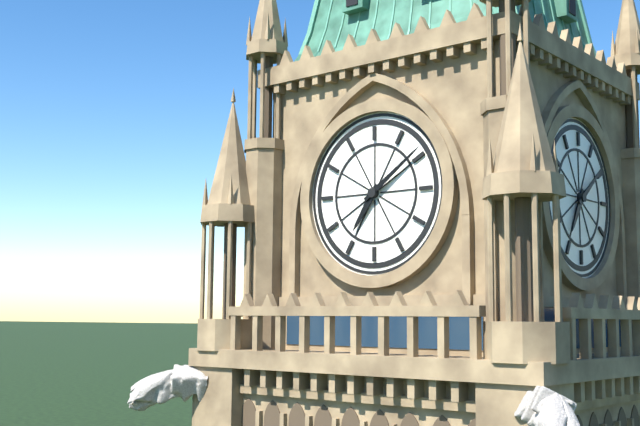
h=7 m=9
